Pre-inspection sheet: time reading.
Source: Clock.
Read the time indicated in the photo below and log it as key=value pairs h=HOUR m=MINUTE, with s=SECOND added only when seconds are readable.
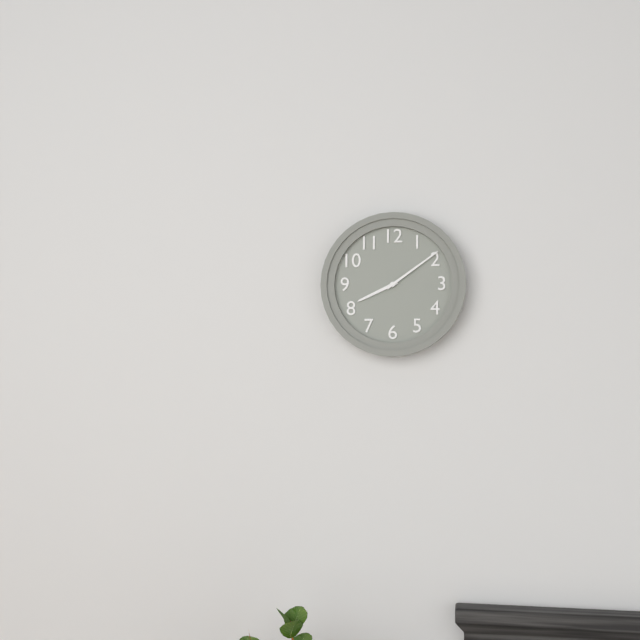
h=8 m=9
